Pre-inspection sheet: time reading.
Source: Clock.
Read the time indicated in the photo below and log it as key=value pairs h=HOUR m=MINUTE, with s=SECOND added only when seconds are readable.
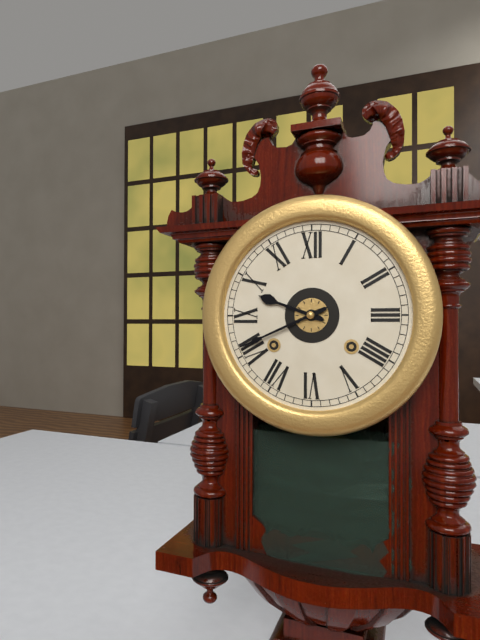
h=9 m=41
